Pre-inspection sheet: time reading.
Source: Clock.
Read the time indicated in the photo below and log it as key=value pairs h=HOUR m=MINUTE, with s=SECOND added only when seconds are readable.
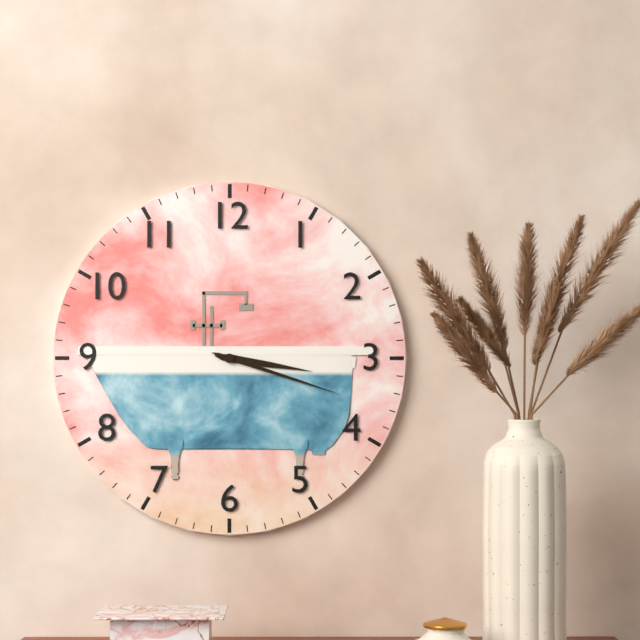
h=3 m=18
